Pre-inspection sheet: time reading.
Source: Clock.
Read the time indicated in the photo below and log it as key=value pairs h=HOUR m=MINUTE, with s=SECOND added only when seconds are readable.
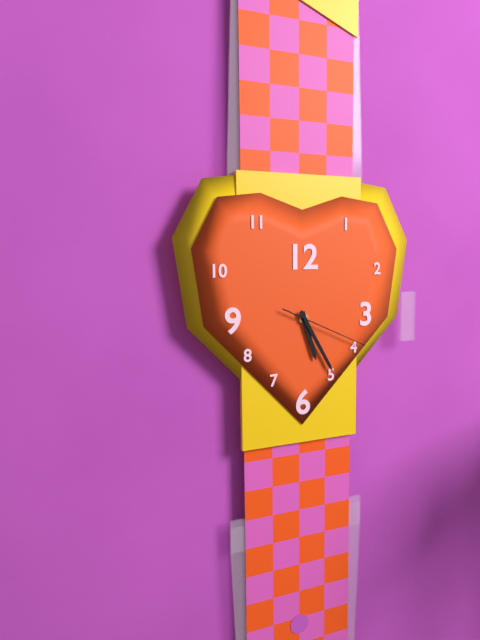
h=5 m=25 s=19
